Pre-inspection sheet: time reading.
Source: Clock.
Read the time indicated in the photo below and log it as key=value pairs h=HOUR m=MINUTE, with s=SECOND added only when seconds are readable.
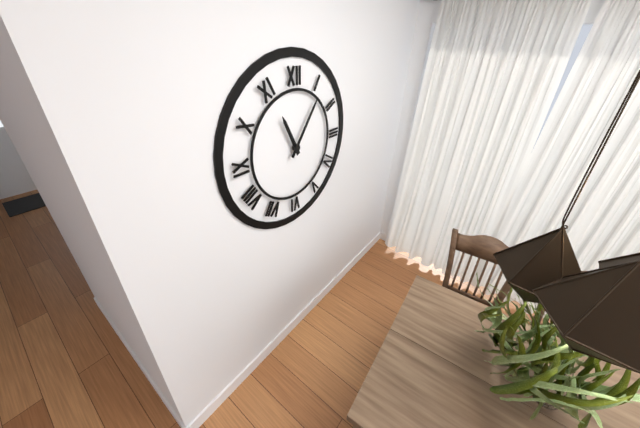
h=11 m=6
